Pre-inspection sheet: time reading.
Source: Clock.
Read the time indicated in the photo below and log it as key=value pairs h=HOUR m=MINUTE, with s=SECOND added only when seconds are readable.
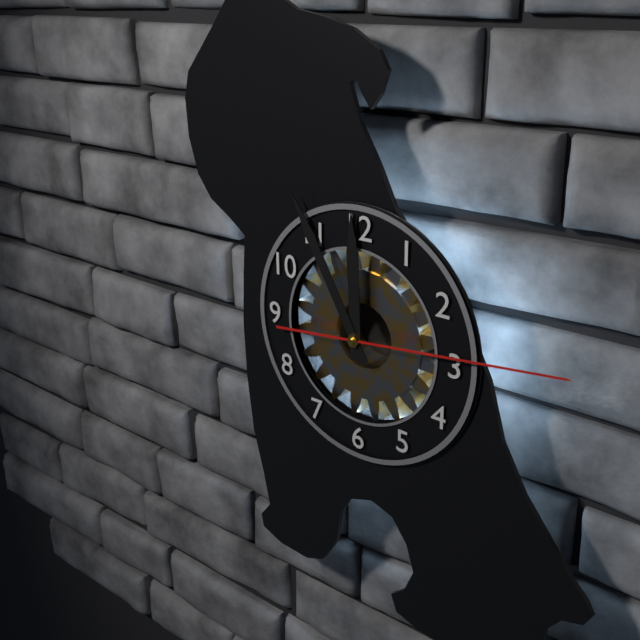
h=11 m=55 s=14
